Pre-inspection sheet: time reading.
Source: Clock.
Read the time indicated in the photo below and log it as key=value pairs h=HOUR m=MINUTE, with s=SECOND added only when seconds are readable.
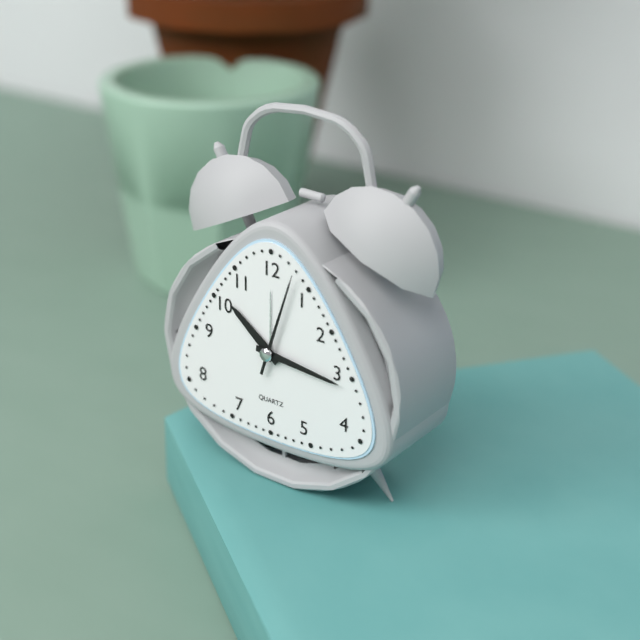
h=10 m=16 s=3
